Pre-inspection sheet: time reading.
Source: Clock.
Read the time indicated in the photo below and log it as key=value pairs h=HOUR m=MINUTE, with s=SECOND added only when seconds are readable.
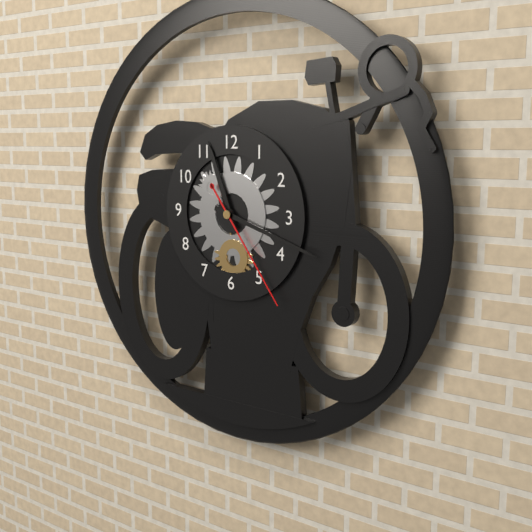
h=11 m=18 s=24
